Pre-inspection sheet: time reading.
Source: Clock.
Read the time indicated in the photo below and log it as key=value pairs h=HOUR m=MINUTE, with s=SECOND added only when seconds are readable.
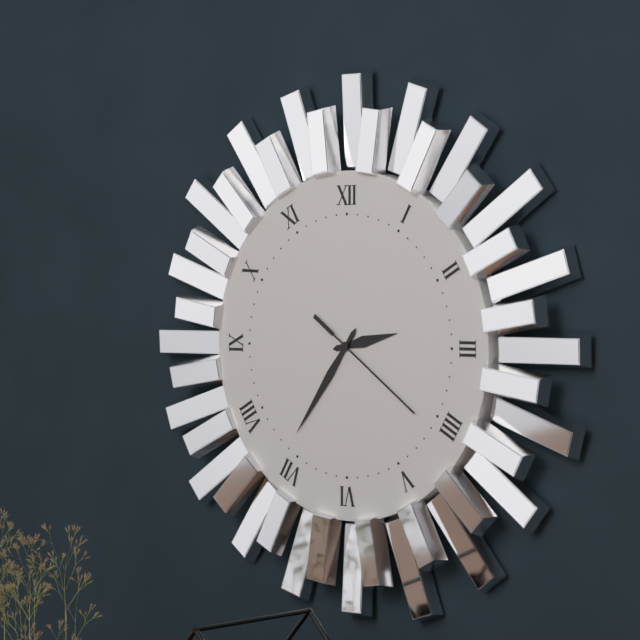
h=2 m=36 s=21
